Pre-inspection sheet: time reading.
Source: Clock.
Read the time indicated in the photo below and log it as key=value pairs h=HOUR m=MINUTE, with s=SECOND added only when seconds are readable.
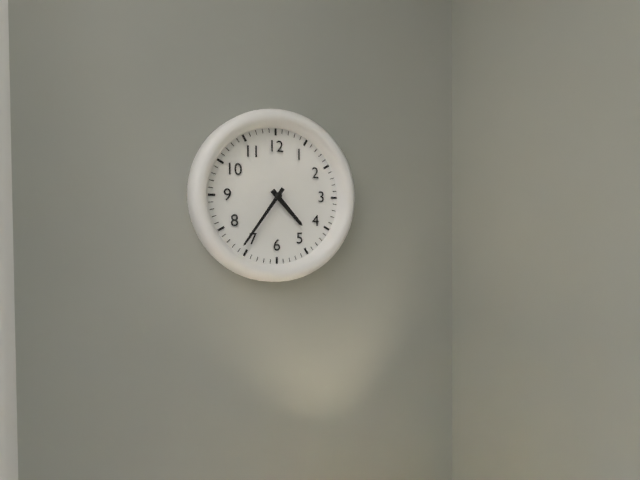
h=4 m=36
